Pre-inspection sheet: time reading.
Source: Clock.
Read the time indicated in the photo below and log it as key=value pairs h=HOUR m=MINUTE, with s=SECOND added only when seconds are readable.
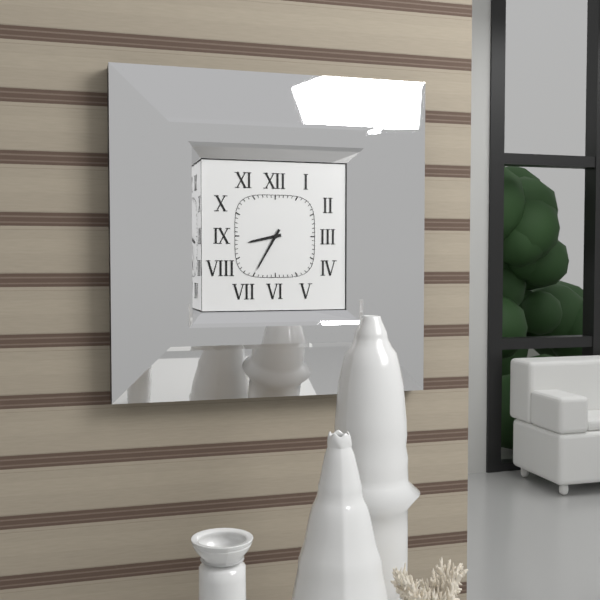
h=8 m=35
